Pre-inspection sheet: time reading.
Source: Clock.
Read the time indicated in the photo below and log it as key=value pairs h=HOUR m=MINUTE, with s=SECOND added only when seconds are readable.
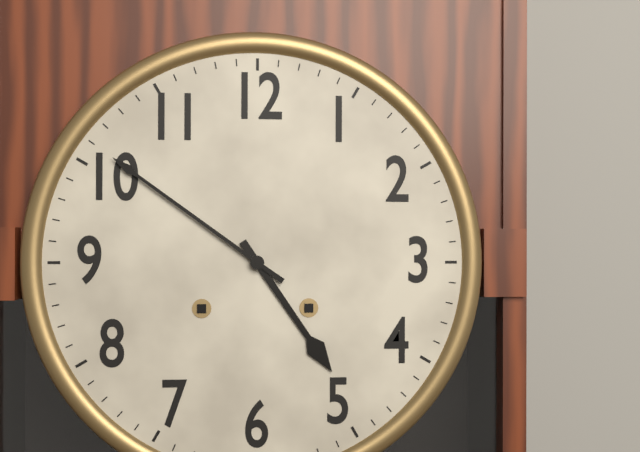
h=4 m=51
